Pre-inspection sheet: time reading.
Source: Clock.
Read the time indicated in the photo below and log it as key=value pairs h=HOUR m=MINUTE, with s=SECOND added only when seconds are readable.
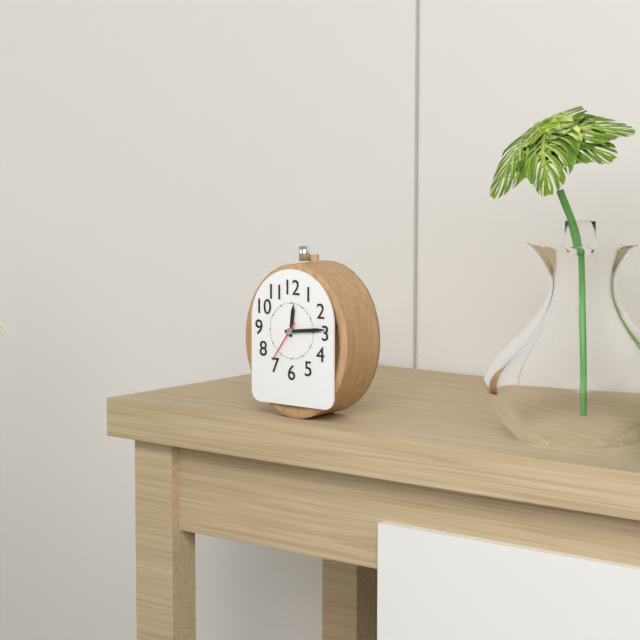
h=12 m=14
